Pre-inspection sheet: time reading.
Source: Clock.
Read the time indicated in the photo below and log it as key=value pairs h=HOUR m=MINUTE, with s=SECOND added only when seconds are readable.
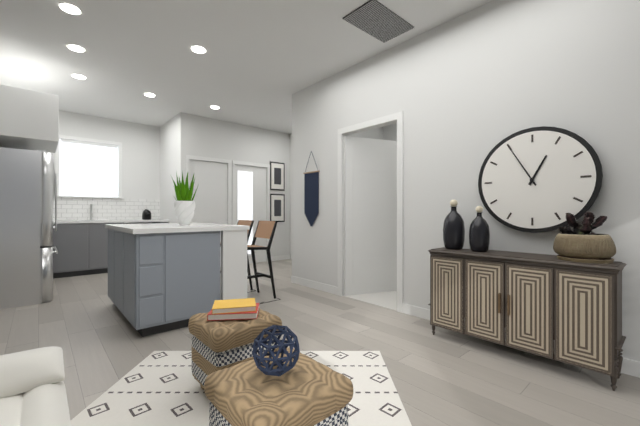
h=12 m=55
